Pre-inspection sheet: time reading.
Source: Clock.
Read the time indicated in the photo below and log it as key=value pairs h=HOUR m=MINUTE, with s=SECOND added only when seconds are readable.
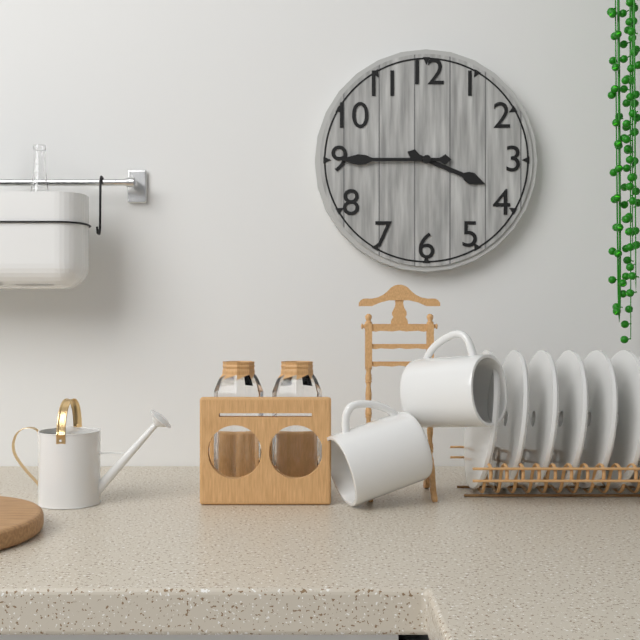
h=3 m=45
